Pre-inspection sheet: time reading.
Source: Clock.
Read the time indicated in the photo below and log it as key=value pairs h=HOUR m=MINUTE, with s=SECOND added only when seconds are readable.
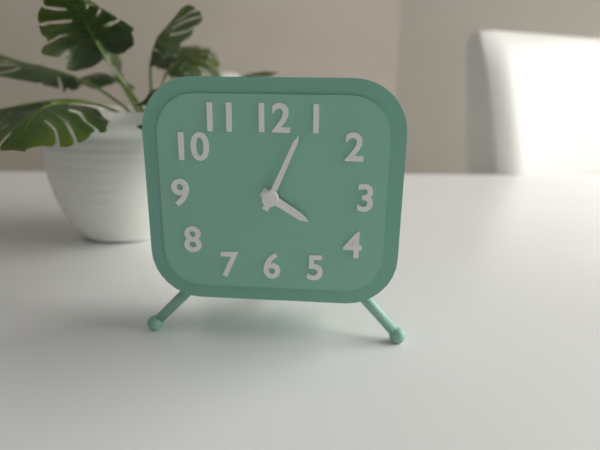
h=4 m=4
